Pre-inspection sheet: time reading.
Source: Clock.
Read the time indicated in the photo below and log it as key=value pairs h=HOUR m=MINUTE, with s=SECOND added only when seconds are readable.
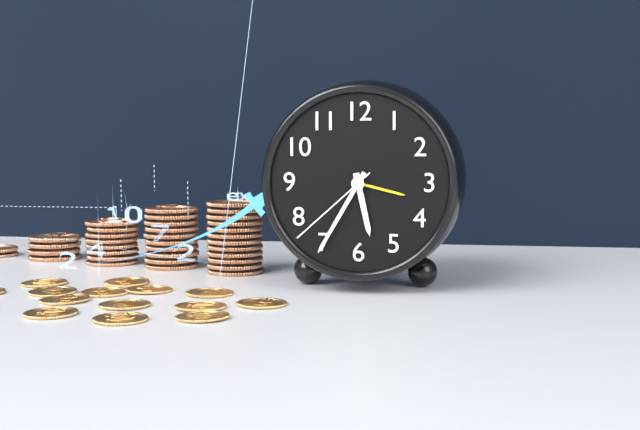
h=5 m=35 s=38
